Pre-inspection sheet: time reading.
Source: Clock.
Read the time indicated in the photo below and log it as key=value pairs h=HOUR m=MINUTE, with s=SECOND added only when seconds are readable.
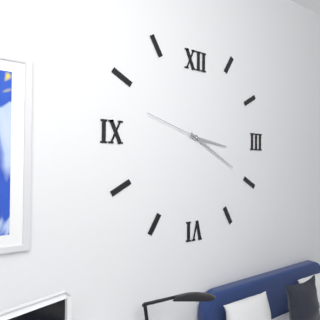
h=3 m=20 s=48
